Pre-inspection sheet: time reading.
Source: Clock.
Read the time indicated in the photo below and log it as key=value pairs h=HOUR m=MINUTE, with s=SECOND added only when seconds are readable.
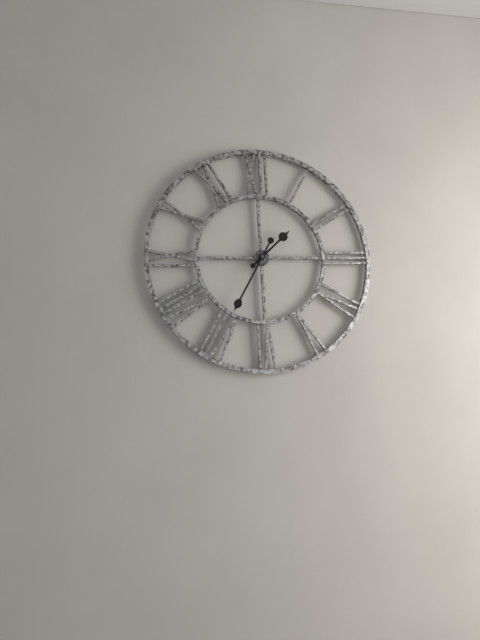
h=1 m=35
